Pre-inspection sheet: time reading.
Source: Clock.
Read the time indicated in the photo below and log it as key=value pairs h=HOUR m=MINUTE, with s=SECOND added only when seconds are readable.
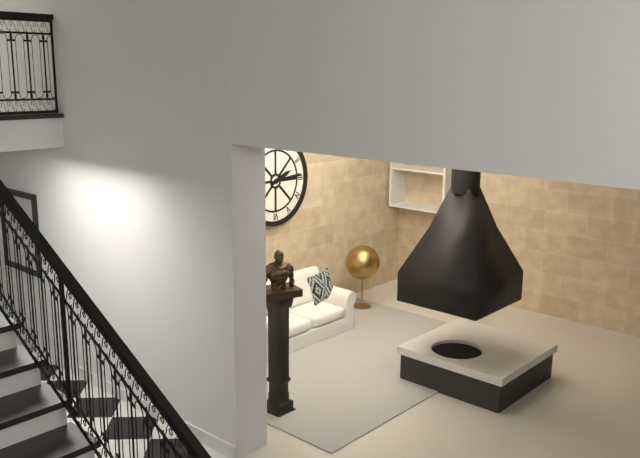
h=2 m=14
